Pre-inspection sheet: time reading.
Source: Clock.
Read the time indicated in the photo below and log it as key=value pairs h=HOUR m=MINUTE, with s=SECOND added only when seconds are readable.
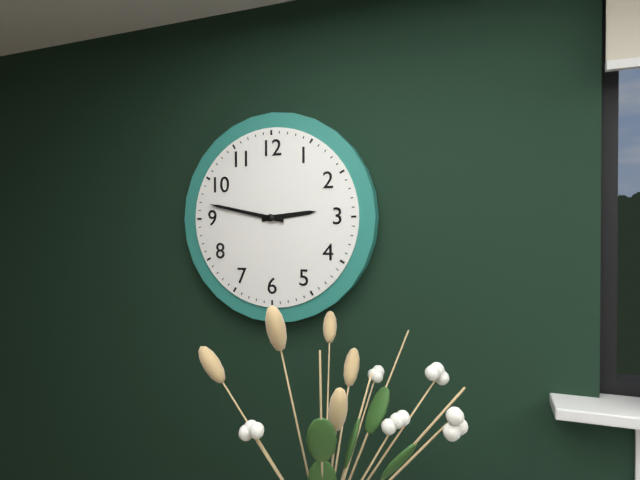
h=2 m=47
